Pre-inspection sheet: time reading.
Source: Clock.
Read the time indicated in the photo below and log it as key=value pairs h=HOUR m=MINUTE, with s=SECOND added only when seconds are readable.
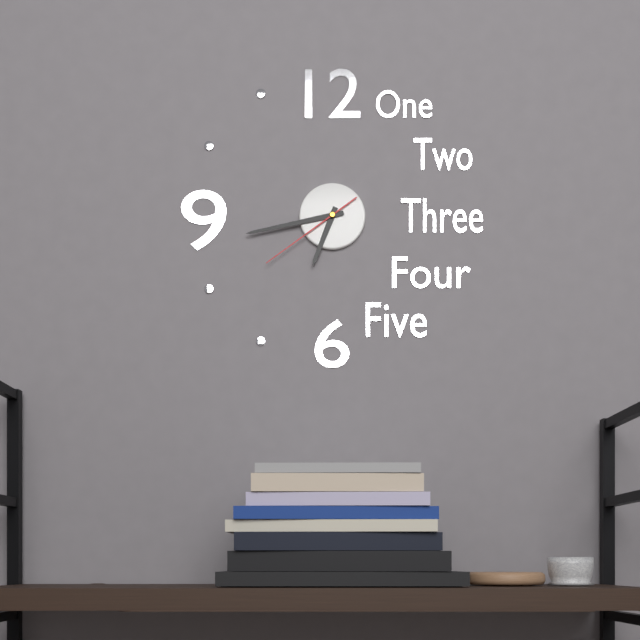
h=6 m=43 s=39
